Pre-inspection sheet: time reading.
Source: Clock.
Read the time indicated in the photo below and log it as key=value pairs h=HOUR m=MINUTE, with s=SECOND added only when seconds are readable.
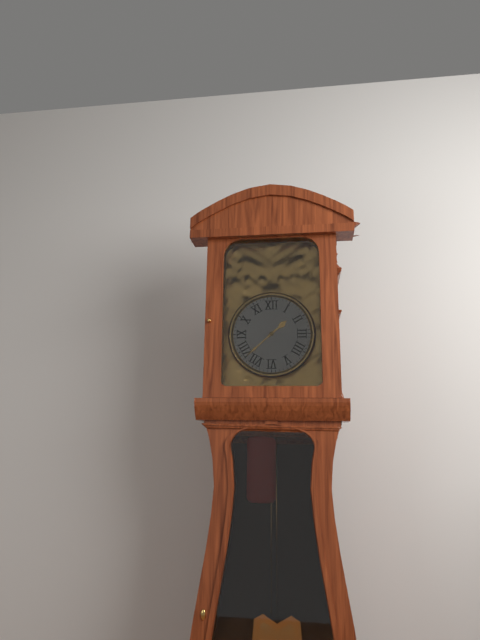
h=1 m=38
